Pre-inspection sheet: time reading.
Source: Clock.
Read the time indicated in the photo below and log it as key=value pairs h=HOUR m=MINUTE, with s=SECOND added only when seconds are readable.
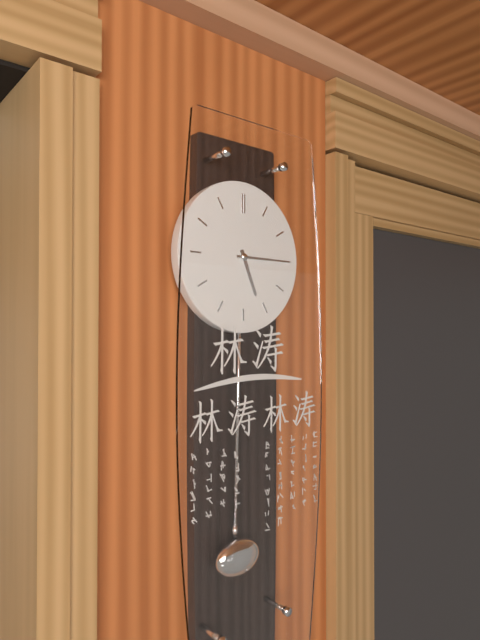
h=5 m=15
